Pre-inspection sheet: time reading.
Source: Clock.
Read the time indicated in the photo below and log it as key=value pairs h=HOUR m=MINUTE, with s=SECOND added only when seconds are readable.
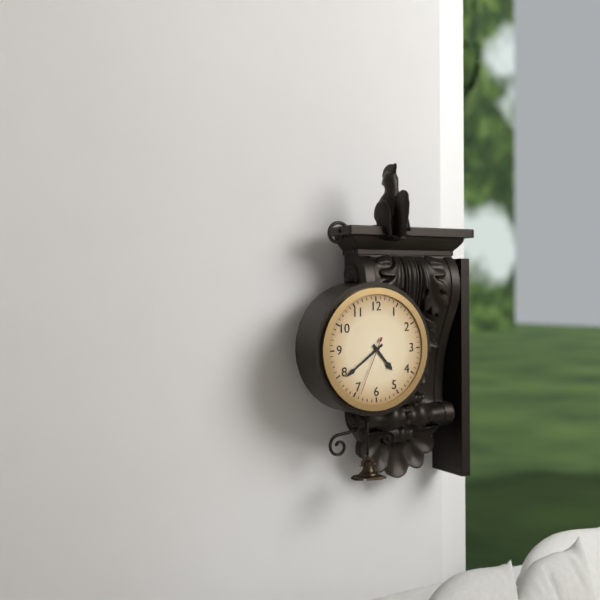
h=4 m=39 s=34
